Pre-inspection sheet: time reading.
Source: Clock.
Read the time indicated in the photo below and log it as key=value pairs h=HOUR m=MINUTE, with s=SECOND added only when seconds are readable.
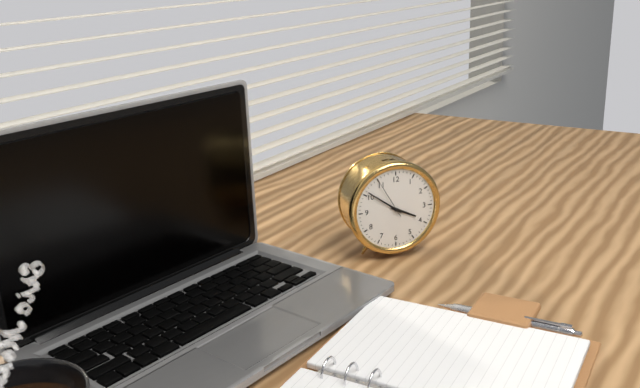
h=3 m=51
